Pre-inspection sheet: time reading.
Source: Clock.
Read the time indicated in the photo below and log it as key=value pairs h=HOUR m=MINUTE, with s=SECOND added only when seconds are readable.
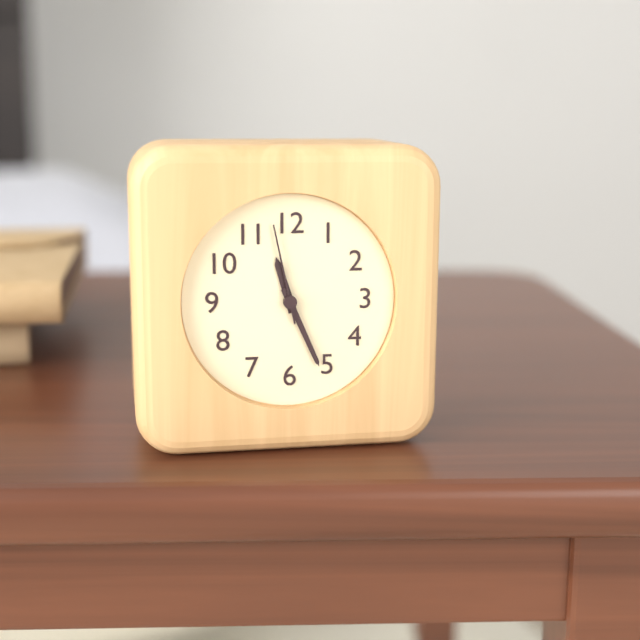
h=11 m=26 s=58
